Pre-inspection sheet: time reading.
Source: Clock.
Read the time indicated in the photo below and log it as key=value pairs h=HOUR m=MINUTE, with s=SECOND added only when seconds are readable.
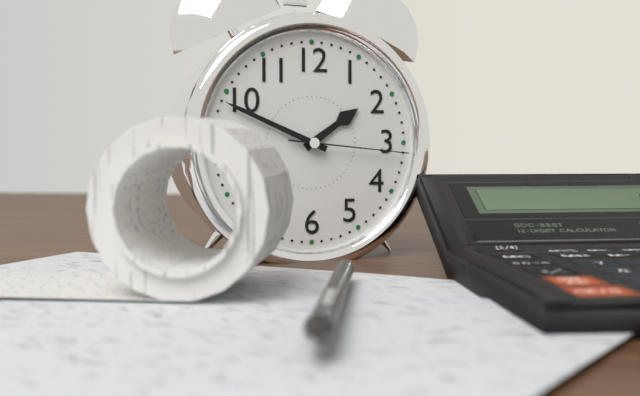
h=1 m=49 s=16
